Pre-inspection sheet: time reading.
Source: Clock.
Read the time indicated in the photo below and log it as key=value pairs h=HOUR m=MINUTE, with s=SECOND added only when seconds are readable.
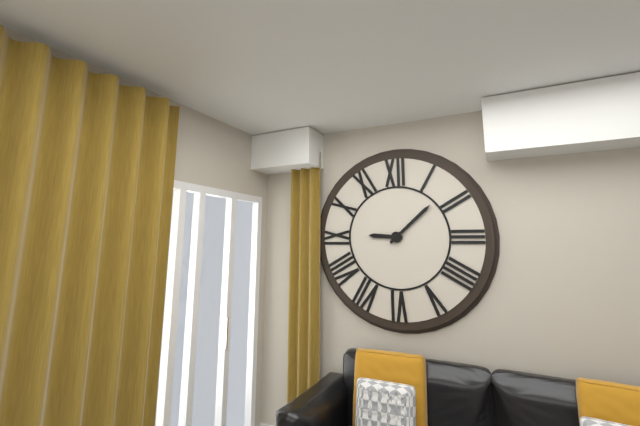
h=9 m=8
